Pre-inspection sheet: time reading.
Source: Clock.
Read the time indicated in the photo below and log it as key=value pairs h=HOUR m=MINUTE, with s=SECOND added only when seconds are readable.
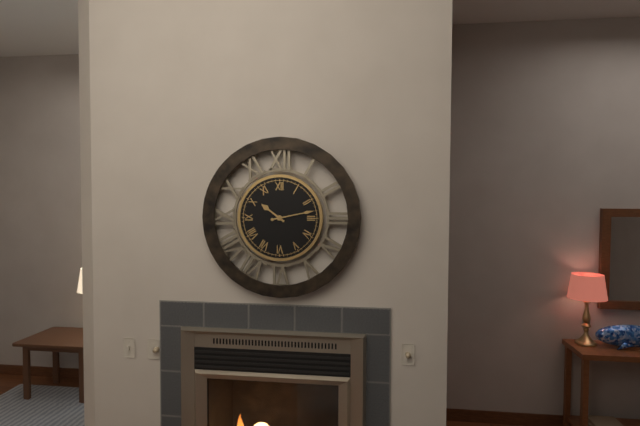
h=10 m=13
